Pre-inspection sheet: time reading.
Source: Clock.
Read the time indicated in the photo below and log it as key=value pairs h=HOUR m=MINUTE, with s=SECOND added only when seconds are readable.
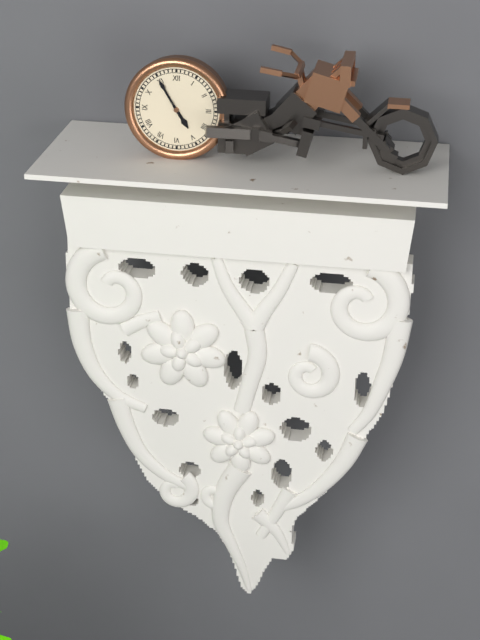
h=4 m=55
